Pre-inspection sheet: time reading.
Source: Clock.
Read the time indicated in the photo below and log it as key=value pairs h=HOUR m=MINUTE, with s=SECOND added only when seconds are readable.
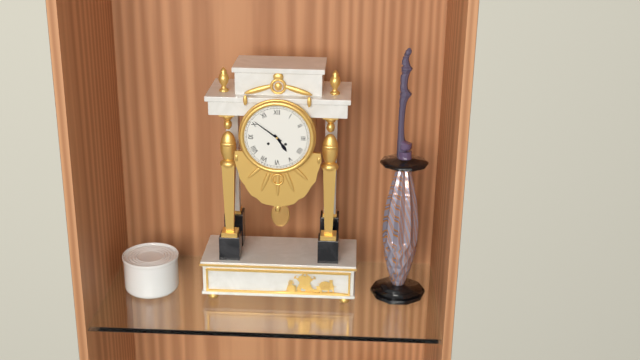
h=4 m=51
